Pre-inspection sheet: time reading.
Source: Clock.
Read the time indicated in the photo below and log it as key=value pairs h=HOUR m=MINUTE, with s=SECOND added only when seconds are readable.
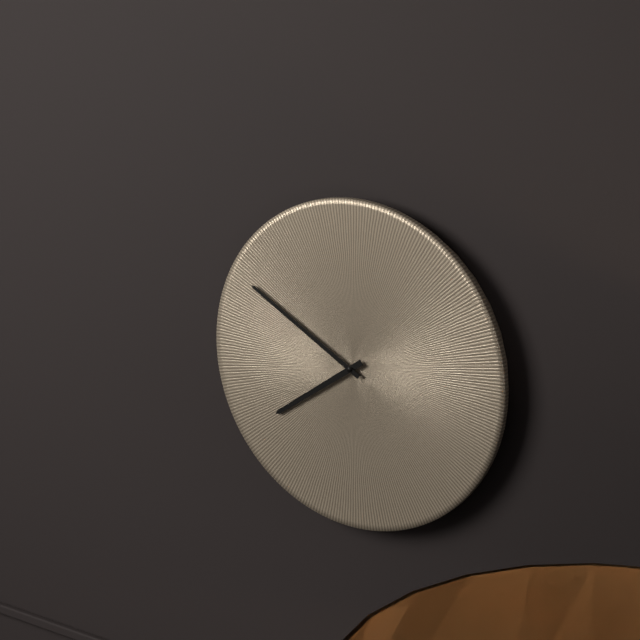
h=7 m=50
